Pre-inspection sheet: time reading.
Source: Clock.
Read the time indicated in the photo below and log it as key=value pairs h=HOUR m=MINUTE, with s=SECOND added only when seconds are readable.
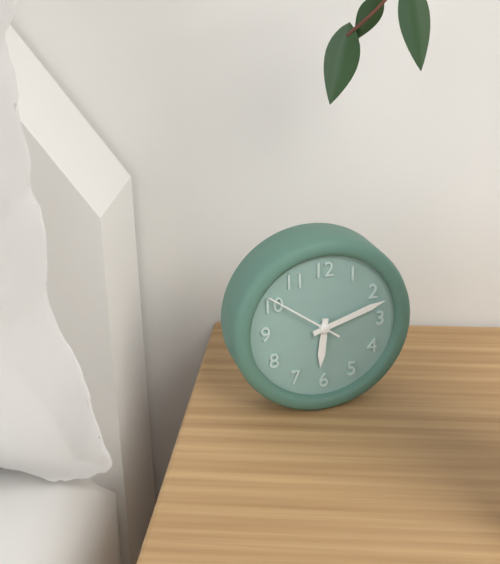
h=6 m=12 s=51
